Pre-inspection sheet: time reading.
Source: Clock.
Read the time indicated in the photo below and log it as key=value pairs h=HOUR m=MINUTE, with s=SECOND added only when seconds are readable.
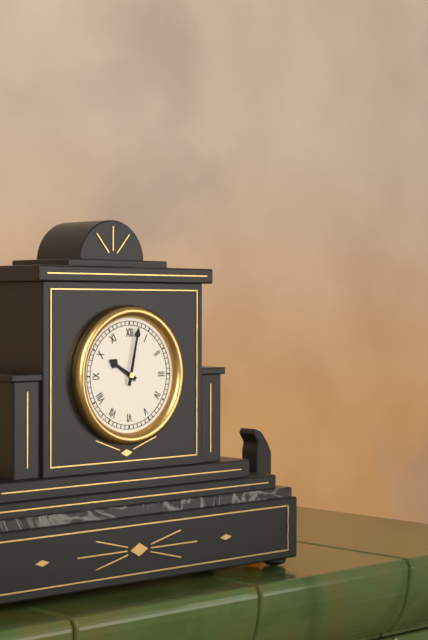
h=10 m=2
